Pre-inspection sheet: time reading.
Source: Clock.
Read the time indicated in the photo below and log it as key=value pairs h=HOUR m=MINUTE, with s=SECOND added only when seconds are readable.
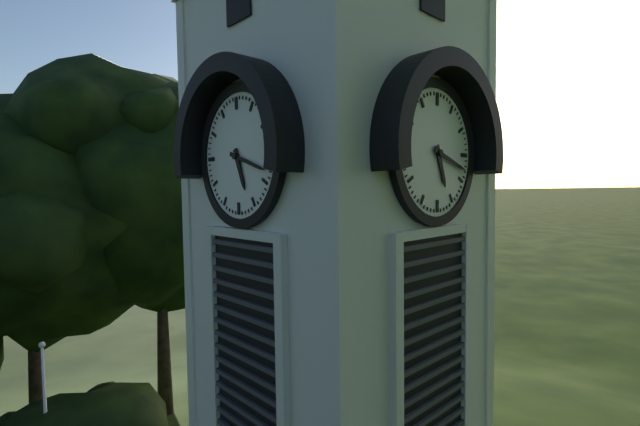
h=5 m=18
